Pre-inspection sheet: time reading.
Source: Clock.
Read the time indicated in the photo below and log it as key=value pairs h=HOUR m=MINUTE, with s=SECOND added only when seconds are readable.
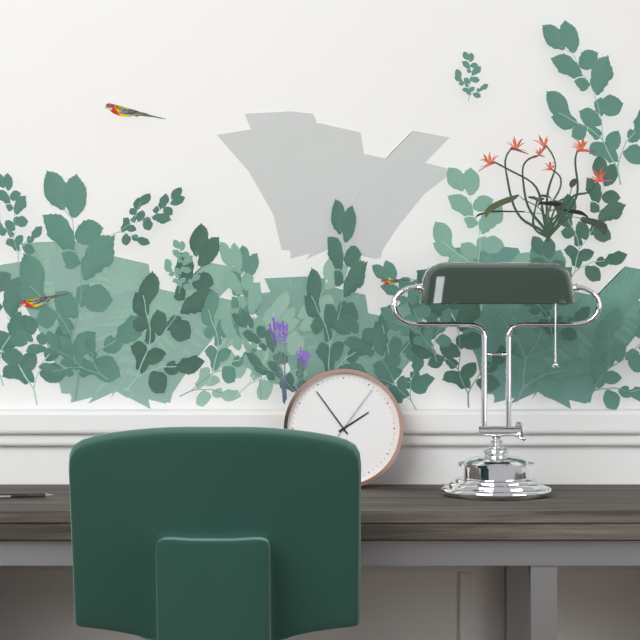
h=1 m=54 s=6
